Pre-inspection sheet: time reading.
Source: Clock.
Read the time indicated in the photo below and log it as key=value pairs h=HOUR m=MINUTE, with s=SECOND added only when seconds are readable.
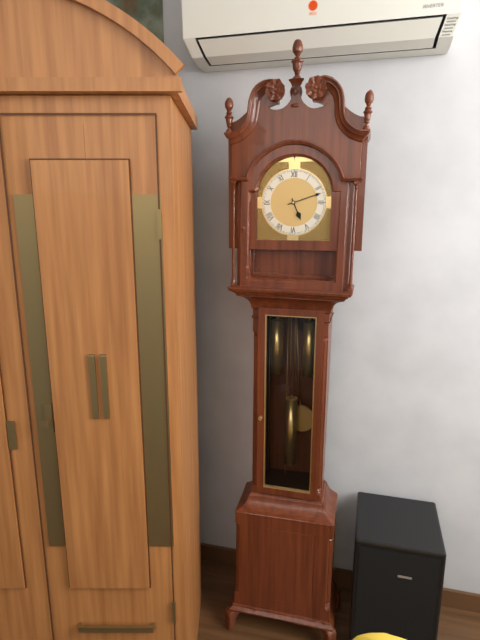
h=5 m=12
